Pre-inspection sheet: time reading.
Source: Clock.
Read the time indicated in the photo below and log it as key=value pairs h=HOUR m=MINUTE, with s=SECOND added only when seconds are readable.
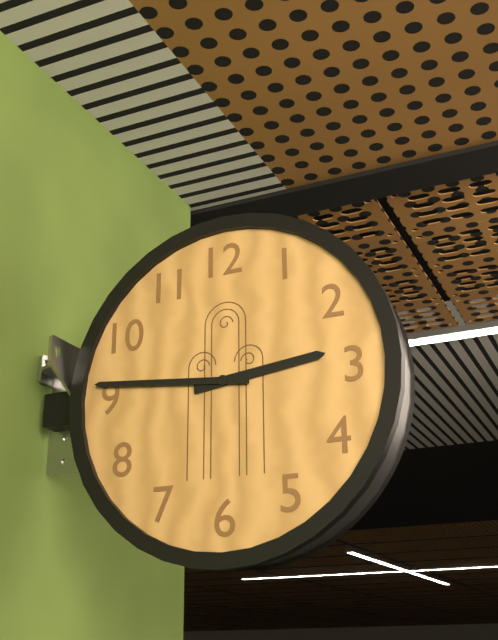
h=2 m=46
